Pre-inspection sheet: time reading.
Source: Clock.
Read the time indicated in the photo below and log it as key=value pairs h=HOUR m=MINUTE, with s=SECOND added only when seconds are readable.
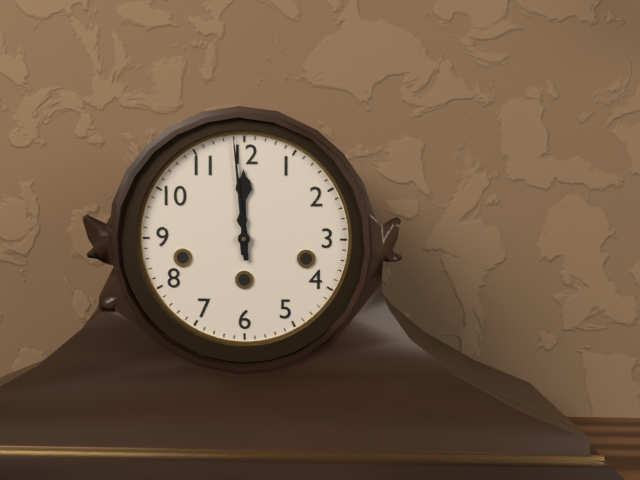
h=11 m=59
